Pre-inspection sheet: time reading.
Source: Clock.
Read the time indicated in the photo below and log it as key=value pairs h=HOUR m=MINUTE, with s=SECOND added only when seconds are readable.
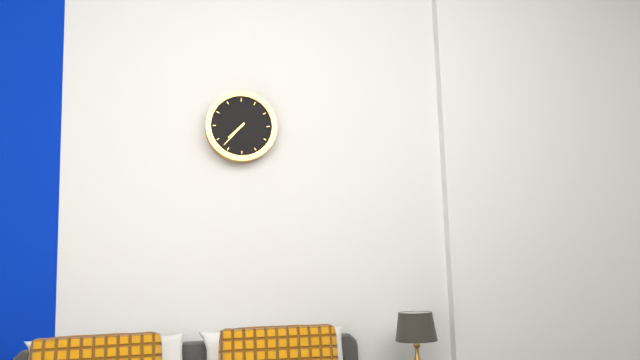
h=7 m=37
